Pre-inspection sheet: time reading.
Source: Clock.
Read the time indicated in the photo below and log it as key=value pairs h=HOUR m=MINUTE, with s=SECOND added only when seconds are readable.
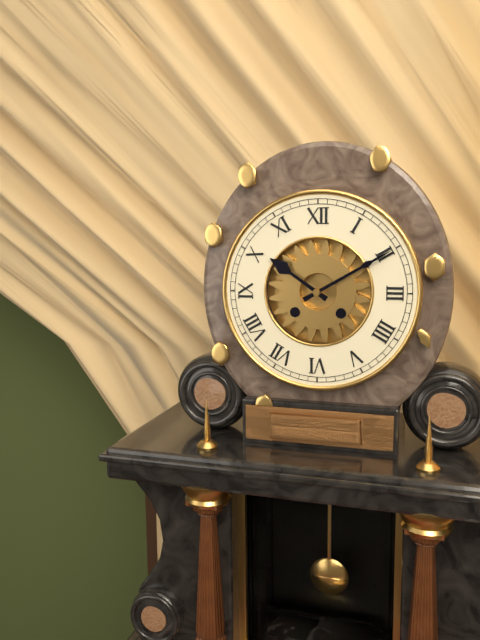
h=10 m=10
